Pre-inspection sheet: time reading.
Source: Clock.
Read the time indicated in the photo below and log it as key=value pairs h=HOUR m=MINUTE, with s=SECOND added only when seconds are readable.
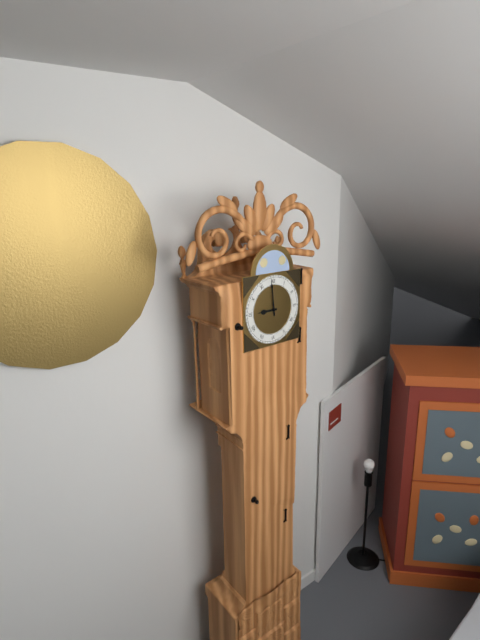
h=8 m=59
